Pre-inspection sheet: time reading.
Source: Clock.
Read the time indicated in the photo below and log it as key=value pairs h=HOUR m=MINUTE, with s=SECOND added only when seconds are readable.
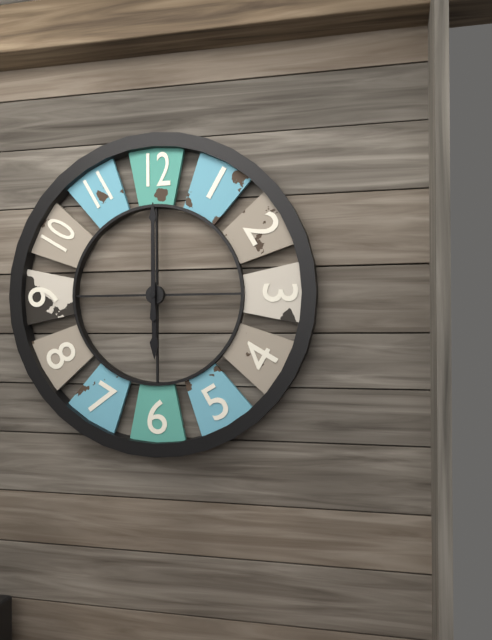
h=6 m=0
